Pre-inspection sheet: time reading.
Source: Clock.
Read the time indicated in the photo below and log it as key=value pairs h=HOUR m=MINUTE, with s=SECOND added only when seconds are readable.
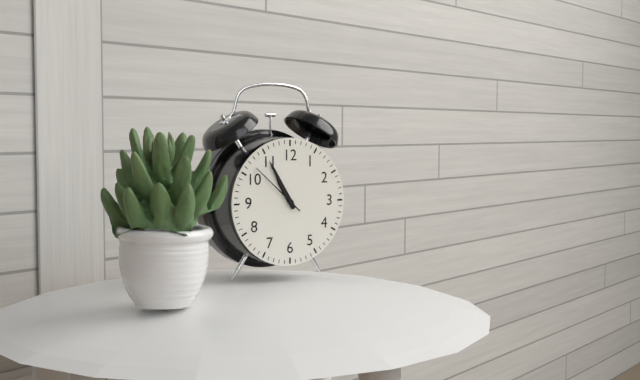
h=10 m=55 s=52
